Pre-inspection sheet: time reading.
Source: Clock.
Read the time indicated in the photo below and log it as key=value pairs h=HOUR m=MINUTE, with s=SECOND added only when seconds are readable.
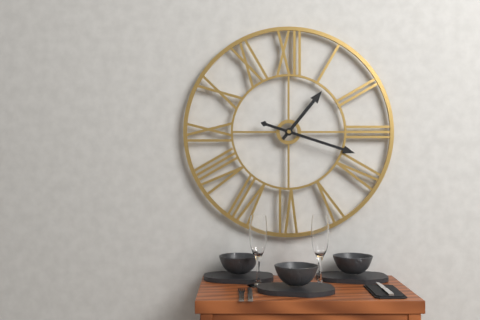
h=1 m=18
